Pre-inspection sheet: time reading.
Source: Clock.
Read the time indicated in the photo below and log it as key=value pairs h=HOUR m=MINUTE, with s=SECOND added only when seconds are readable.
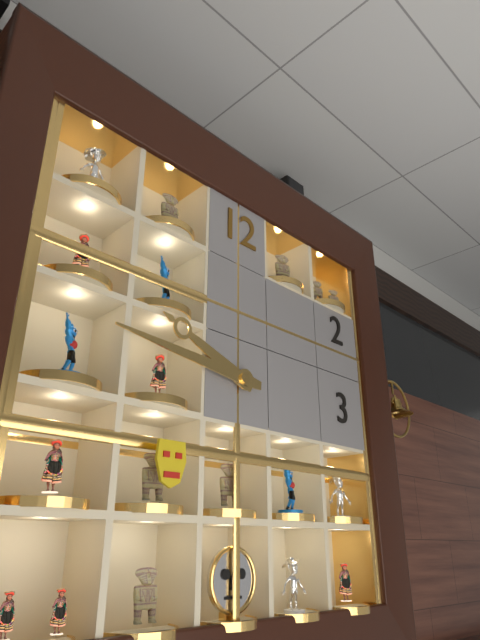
h=9 m=46
